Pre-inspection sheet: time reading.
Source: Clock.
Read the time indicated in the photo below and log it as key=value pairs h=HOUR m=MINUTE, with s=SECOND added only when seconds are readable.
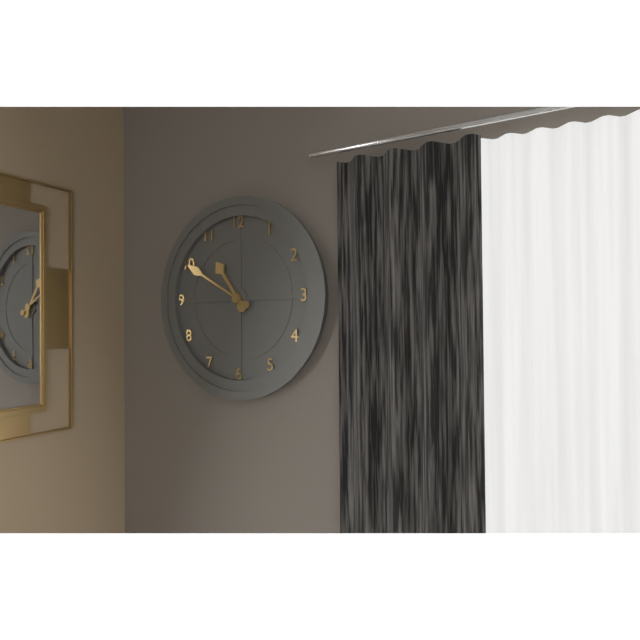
h=10 m=50
